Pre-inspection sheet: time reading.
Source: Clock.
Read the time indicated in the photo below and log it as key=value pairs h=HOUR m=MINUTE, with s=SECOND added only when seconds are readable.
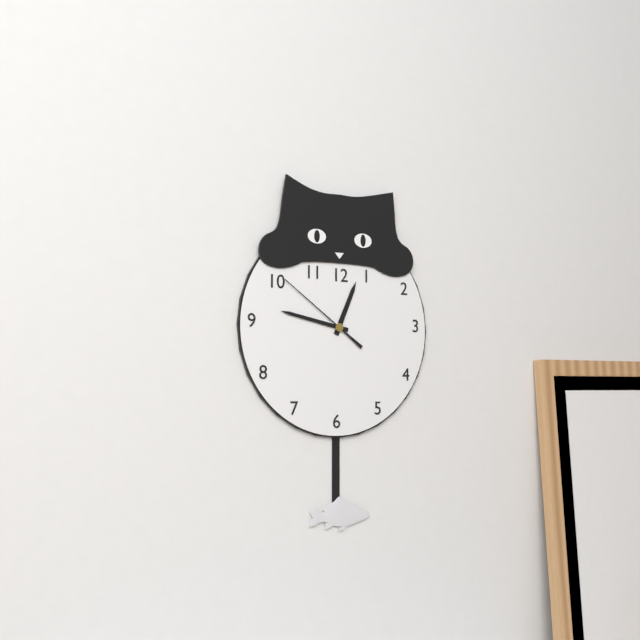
h=12 m=47 s=51
